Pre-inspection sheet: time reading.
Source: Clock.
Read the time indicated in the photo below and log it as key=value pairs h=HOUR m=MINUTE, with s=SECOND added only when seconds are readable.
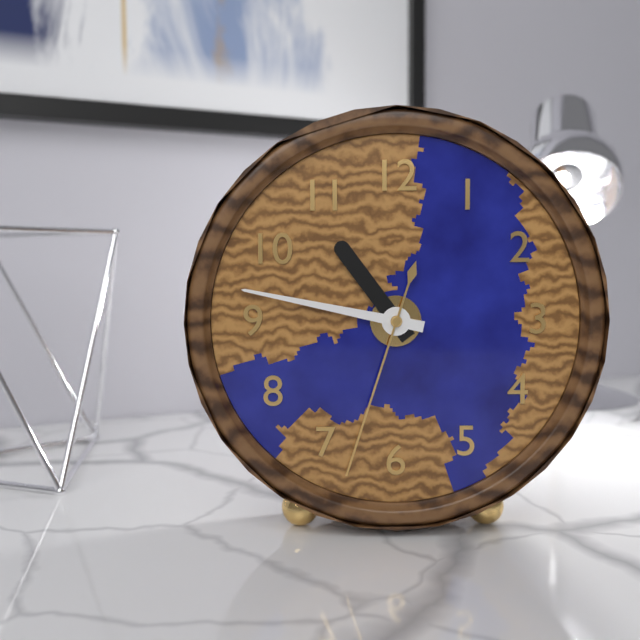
h=10 m=47 s=33
